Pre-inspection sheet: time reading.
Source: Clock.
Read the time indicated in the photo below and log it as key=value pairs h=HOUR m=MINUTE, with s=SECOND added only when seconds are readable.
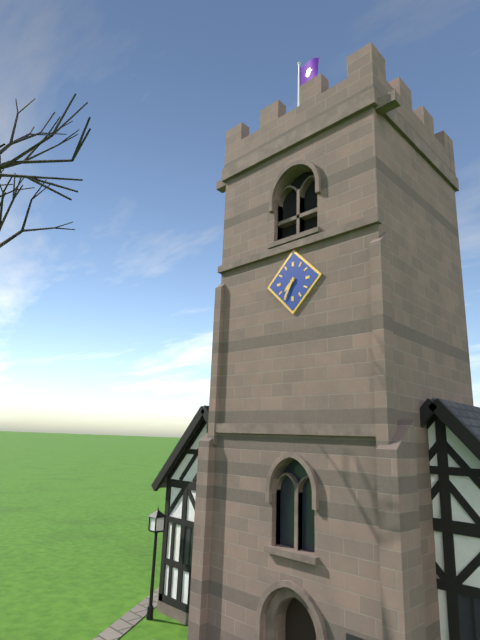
h=7 m=35
